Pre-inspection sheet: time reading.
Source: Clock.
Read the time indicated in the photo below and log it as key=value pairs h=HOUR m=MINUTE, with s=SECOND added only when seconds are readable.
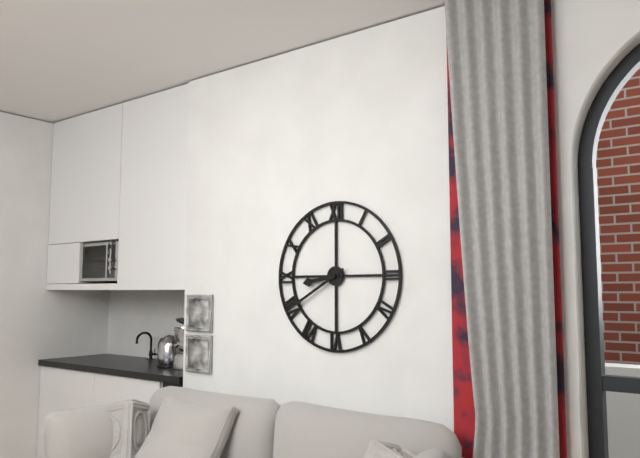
h=8 m=40
